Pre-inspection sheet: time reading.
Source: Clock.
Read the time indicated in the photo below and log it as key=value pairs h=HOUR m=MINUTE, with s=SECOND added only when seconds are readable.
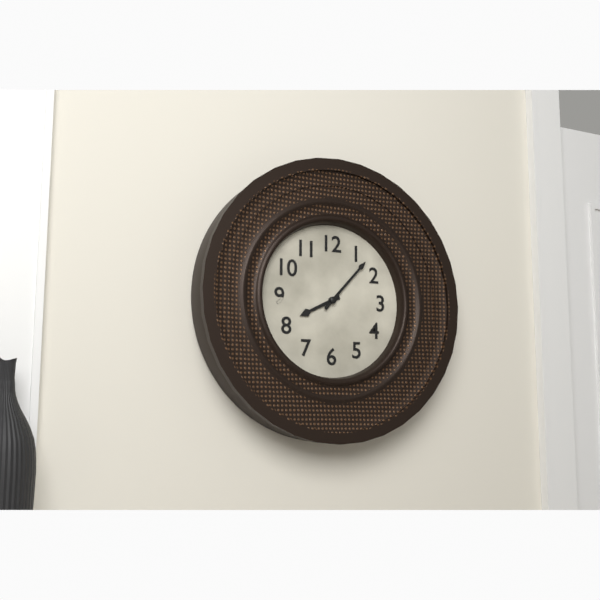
h=8 m=7
